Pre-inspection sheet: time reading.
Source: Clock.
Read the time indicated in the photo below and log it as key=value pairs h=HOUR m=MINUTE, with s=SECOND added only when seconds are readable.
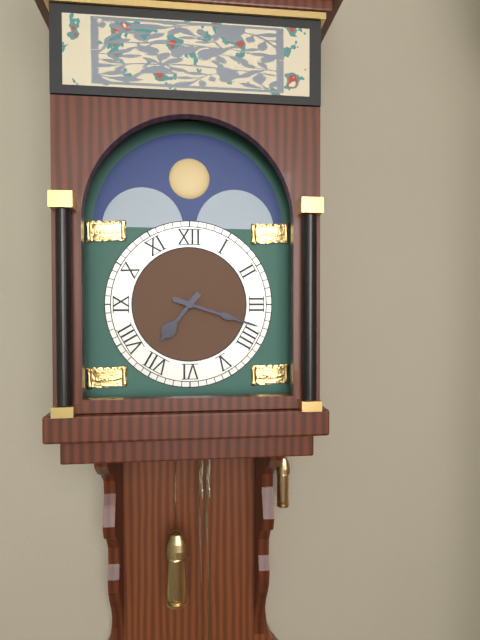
h=7 m=18
